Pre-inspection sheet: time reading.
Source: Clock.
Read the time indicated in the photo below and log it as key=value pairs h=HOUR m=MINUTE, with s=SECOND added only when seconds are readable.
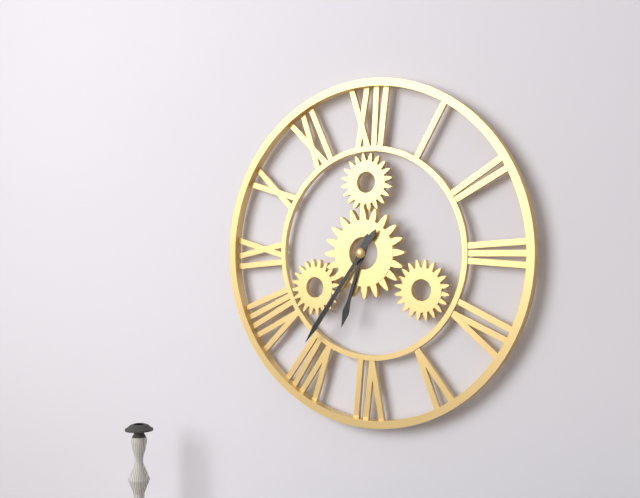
h=6 m=36
